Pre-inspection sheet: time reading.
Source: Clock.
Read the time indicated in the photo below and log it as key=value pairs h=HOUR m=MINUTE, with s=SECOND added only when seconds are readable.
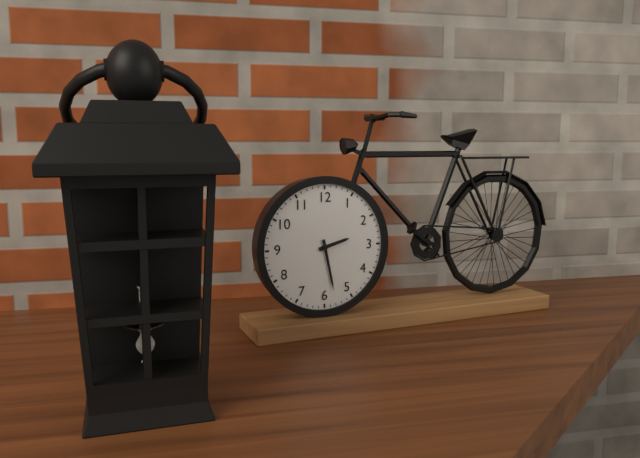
h=2 m=28
